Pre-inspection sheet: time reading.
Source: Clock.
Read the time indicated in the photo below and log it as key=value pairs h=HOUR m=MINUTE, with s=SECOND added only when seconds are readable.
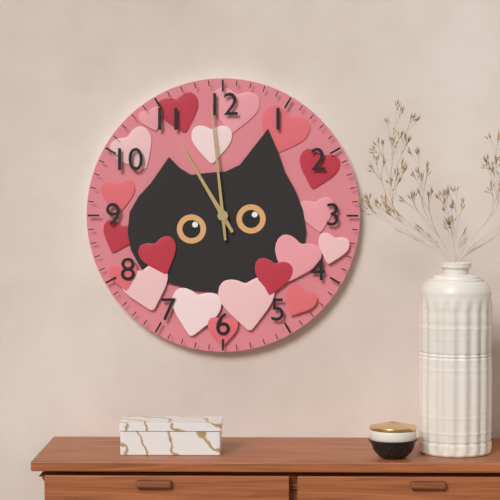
h=10 m=59
